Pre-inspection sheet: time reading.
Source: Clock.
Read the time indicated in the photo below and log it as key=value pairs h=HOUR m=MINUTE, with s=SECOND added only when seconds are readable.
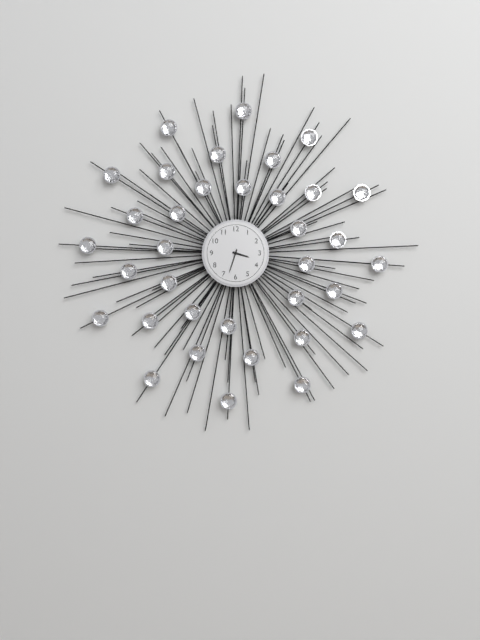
h=3 m=33
